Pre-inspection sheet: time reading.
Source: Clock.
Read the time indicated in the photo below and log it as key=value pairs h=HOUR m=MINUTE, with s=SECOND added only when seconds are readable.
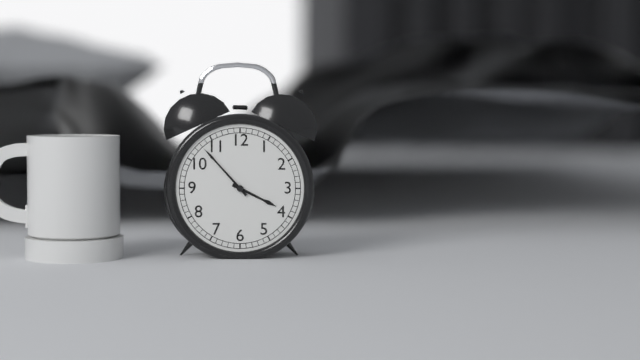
h=3 m=53
